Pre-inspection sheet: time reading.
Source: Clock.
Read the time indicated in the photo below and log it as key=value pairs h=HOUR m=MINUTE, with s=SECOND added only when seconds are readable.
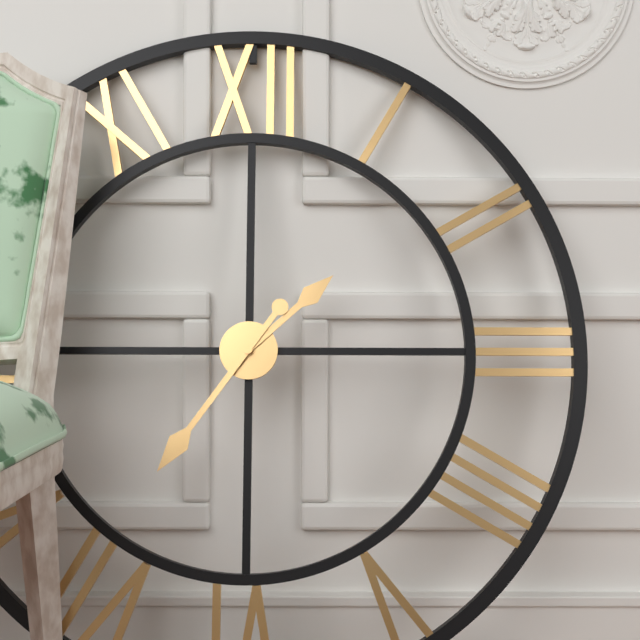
h=1 m=36
